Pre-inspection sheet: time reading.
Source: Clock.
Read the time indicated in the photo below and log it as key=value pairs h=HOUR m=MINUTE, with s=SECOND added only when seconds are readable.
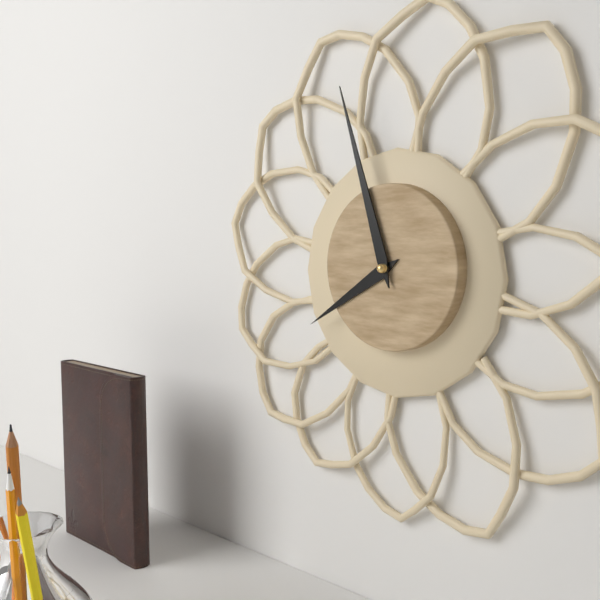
h=7 m=57
